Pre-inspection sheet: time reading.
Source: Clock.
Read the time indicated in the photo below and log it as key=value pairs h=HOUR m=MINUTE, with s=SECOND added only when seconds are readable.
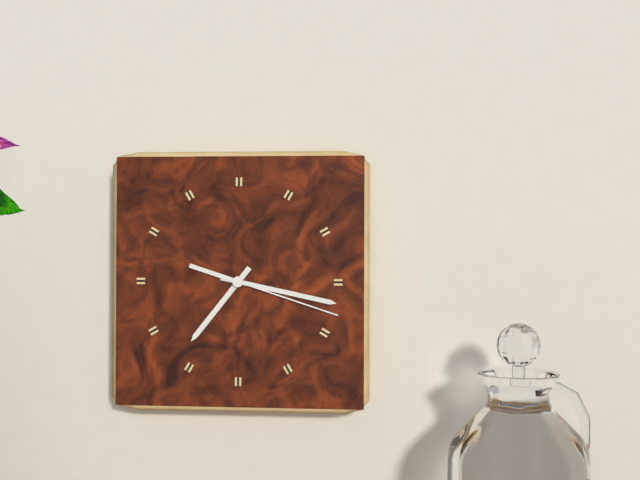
h=7 m=17 s=18
